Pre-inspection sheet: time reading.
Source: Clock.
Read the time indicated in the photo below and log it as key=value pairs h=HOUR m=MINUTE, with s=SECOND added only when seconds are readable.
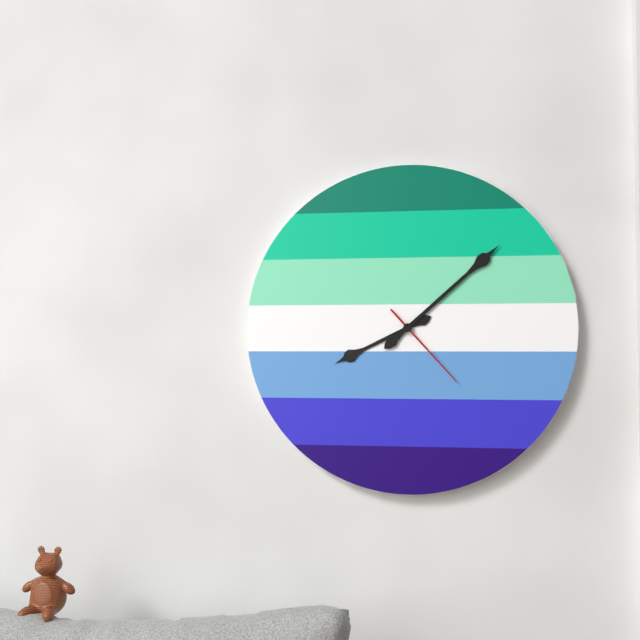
h=8 m=8 s=23
